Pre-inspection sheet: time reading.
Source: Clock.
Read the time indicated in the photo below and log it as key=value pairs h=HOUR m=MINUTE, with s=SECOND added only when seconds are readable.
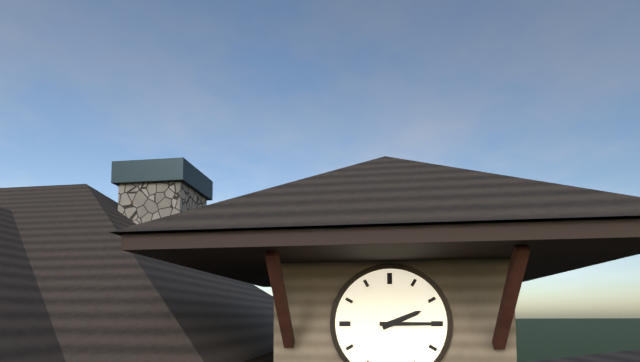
h=2 m=15
